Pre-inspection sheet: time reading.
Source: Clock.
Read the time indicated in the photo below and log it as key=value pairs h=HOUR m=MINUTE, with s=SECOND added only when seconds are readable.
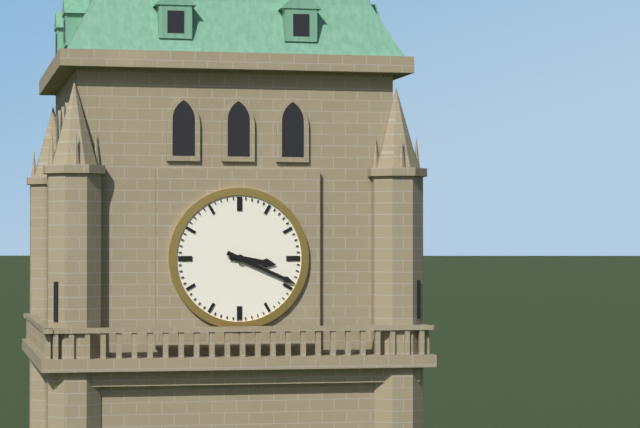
h=3 m=19
